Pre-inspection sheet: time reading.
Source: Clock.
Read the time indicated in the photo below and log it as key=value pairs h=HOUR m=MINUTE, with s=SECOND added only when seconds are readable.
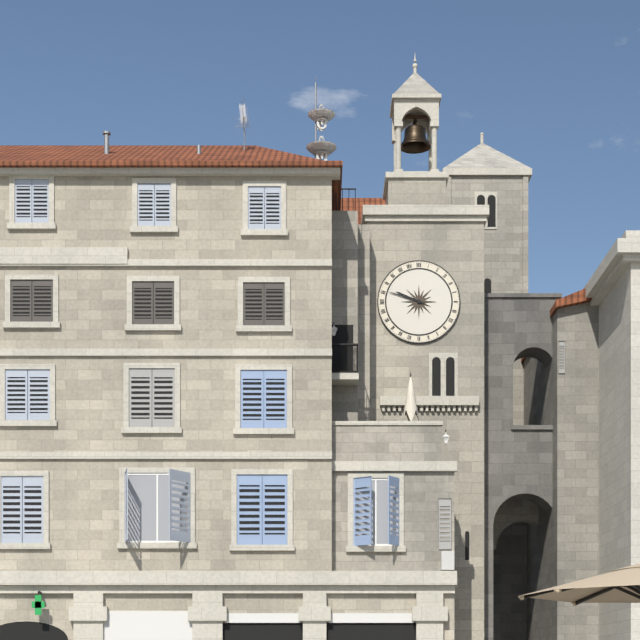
h=9 m=48
